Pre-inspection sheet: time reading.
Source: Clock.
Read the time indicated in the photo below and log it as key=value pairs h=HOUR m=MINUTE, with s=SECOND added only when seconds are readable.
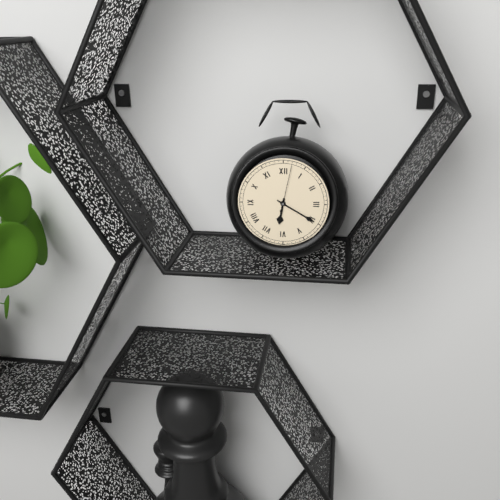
h=6 m=20
